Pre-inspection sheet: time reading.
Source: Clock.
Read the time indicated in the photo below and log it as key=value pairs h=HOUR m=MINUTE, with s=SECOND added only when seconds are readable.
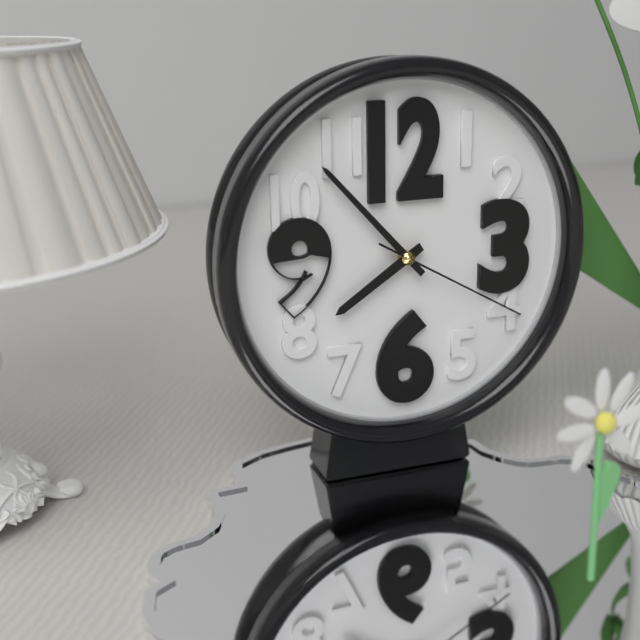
h=7 m=53 s=20
